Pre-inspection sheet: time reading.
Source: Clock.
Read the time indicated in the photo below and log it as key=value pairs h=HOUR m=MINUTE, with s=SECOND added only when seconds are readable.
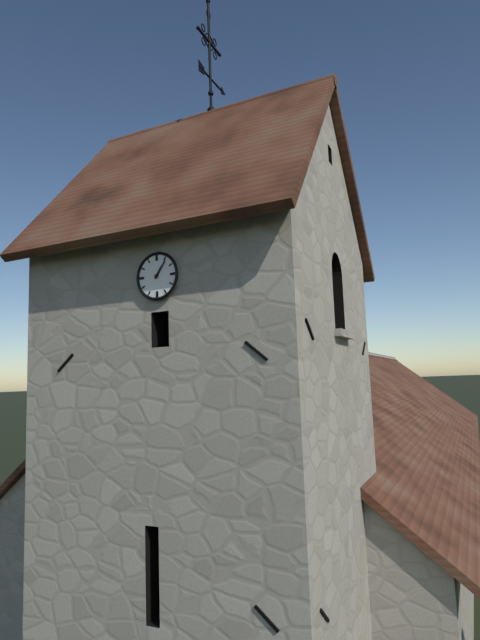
h=1 m=6
